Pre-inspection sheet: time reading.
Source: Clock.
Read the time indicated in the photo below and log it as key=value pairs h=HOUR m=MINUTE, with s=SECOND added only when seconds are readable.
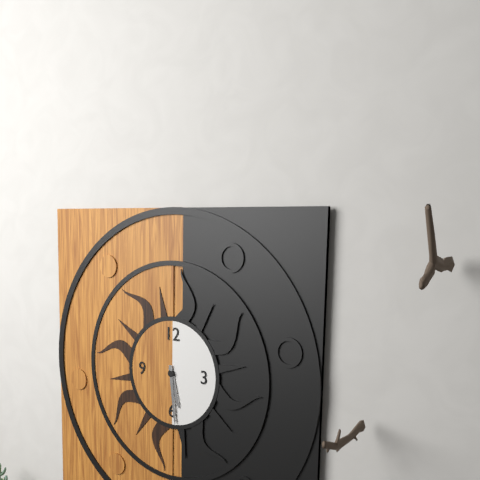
h=5 m=29
